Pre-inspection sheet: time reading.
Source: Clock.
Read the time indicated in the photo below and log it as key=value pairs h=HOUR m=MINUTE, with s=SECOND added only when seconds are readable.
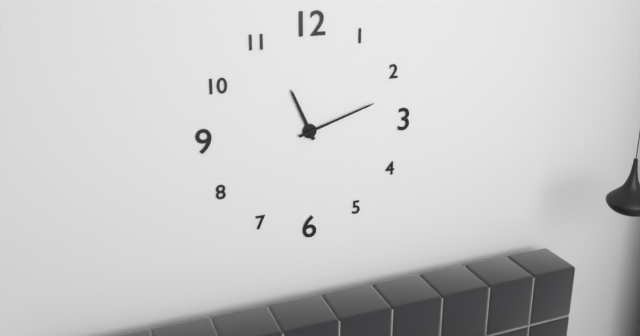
h=11 m=12
